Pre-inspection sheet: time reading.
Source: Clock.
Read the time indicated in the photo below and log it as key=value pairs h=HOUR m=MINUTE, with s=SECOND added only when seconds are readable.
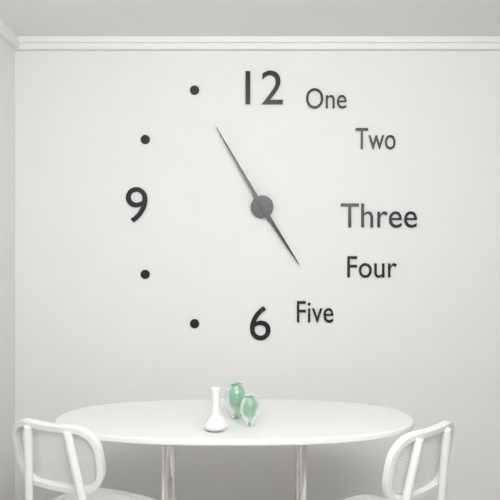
h=4 m=55
